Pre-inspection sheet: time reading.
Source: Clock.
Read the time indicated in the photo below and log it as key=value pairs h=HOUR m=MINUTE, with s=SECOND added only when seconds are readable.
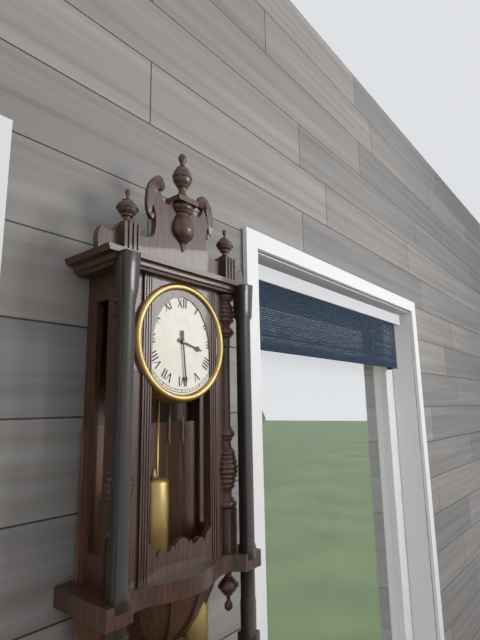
h=3 m=29
